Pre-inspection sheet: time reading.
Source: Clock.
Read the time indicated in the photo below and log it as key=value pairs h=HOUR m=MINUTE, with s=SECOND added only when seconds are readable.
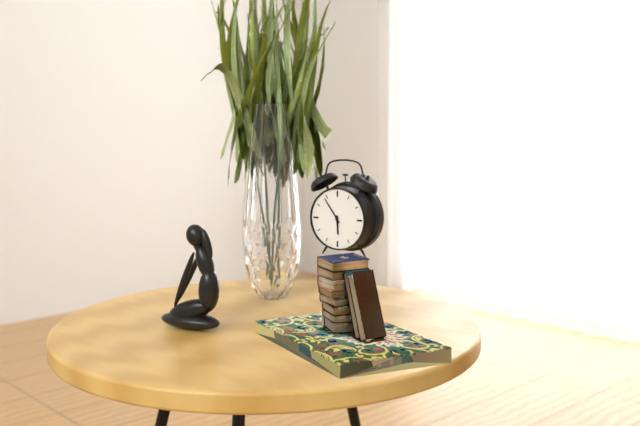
h=5 m=54
